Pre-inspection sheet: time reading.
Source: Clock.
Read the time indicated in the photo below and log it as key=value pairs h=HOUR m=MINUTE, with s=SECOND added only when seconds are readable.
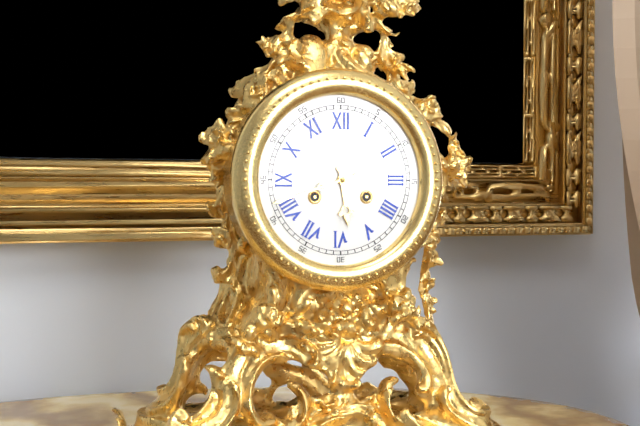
h=5 m=42
